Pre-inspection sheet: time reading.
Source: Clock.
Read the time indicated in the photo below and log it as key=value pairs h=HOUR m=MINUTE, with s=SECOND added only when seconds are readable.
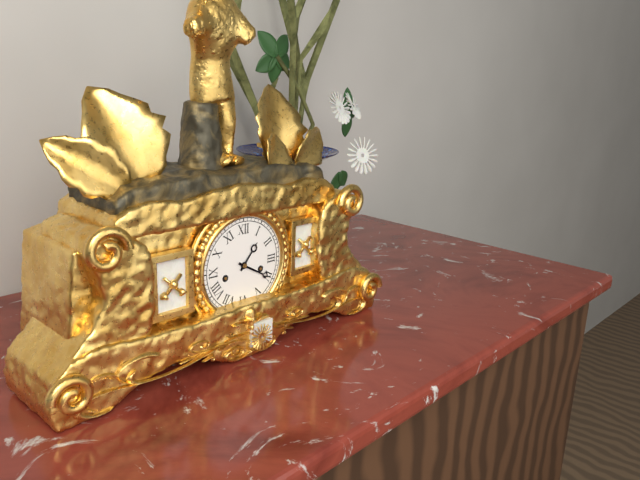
h=1 m=20
